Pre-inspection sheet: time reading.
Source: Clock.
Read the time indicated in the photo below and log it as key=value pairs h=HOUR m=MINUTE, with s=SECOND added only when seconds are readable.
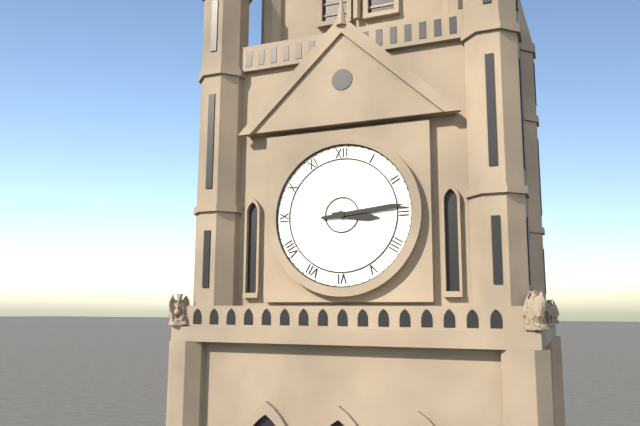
h=3 m=14
